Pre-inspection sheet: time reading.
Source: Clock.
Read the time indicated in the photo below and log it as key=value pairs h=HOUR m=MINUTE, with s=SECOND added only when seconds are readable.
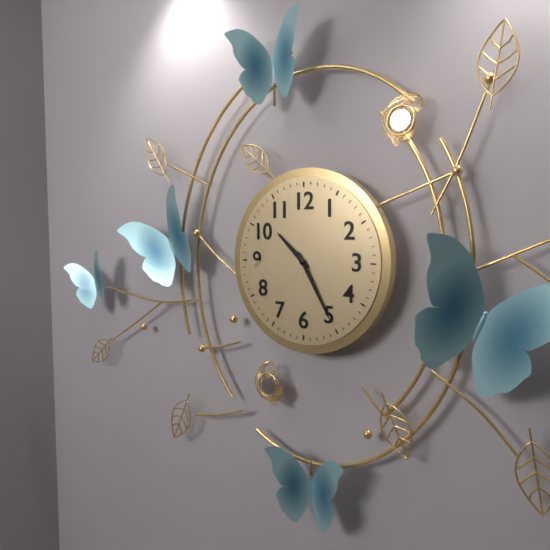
h=10 m=25
